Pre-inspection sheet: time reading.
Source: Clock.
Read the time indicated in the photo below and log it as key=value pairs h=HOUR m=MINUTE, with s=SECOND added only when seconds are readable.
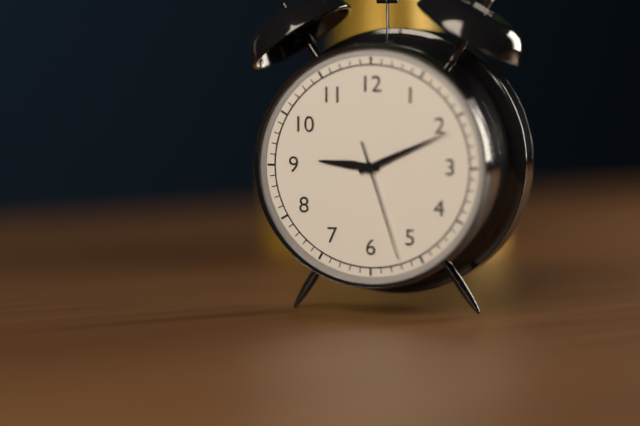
h=9 m=11 s=27
